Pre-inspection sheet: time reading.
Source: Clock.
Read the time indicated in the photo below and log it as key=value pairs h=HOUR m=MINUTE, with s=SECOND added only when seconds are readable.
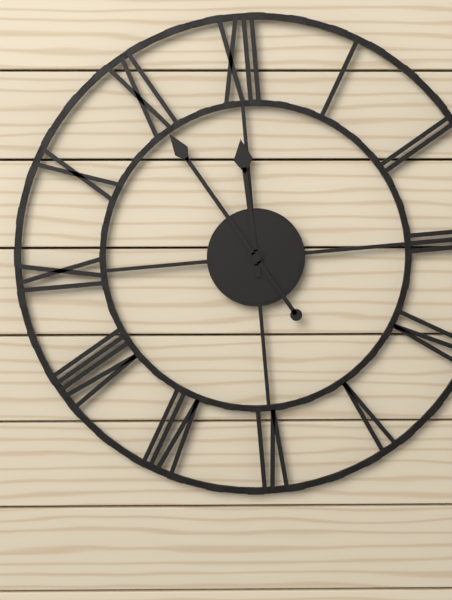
h=11 m=55
